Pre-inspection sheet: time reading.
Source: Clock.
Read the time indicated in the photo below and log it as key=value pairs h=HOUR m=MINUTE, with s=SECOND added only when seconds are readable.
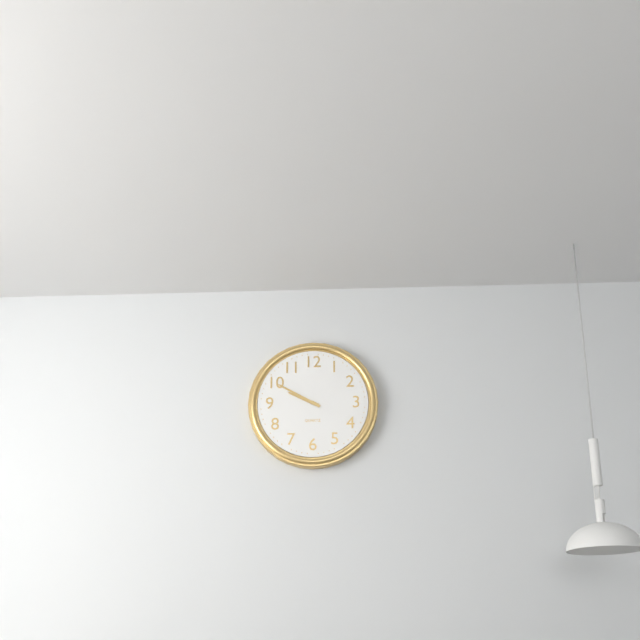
h=9 m=50
